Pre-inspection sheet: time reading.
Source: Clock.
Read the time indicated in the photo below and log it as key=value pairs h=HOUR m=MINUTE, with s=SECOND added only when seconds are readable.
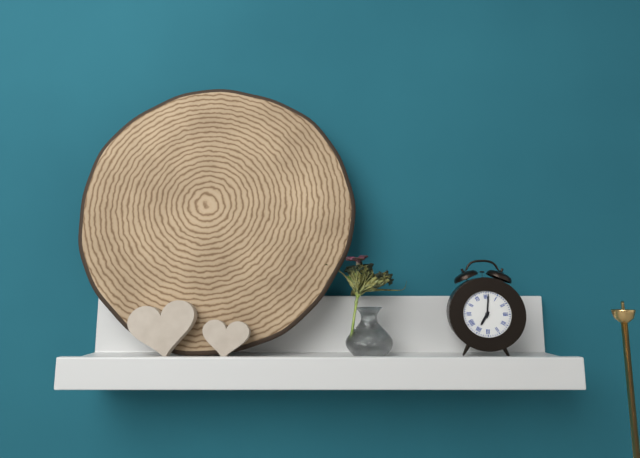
h=7 m=1
